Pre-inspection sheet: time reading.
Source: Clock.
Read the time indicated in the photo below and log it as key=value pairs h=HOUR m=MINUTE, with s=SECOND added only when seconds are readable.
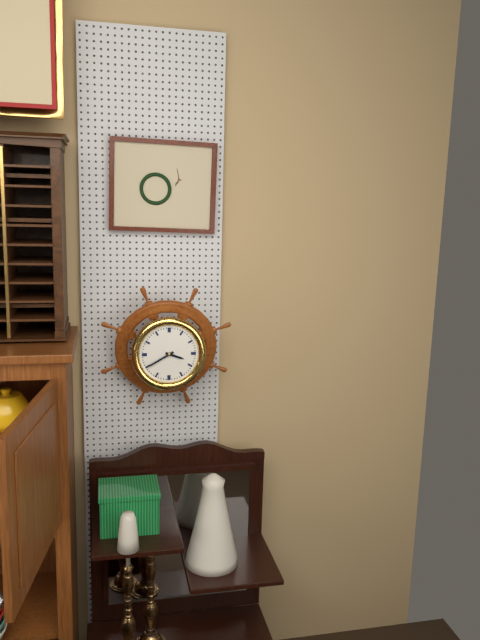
h=3 m=40
